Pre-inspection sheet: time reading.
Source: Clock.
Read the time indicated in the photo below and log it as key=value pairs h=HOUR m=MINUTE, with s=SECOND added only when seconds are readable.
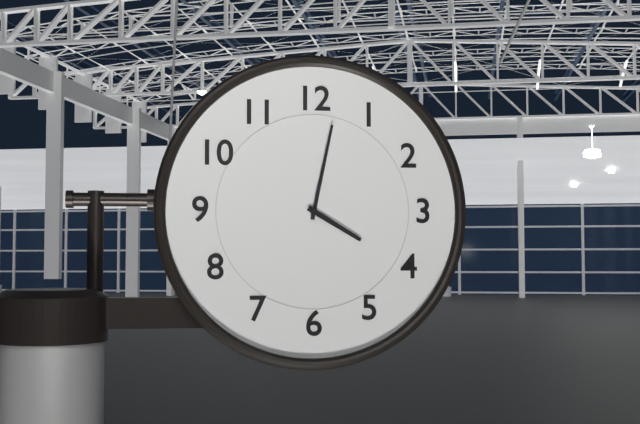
h=4 m=2
